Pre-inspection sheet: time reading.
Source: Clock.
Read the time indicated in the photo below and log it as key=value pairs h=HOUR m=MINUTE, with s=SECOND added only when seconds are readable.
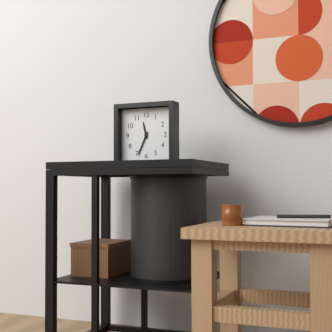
h=11 m=34
